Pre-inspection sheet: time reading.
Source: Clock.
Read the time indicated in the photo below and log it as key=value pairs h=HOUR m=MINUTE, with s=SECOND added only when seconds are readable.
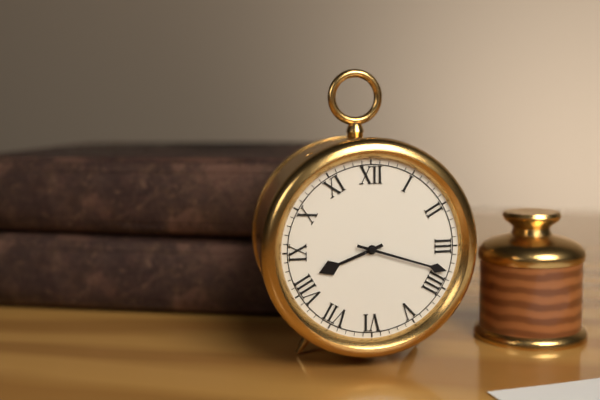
h=8 m=18
